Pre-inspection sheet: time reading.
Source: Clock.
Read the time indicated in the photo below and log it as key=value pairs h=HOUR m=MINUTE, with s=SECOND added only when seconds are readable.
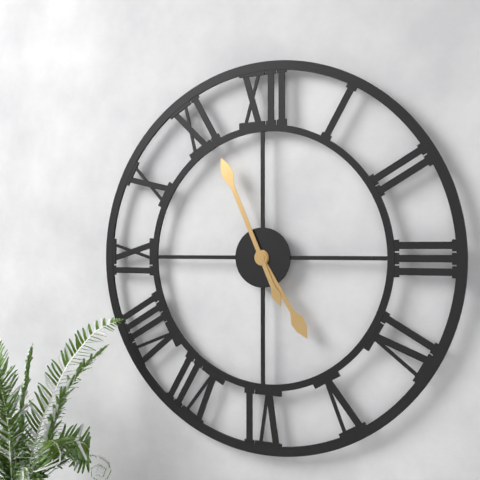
h=4 m=56
